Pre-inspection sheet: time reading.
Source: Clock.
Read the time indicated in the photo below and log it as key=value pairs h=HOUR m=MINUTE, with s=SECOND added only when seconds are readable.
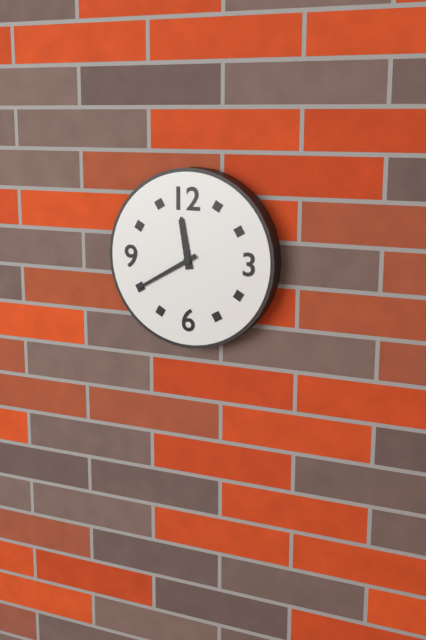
h=11 m=40
